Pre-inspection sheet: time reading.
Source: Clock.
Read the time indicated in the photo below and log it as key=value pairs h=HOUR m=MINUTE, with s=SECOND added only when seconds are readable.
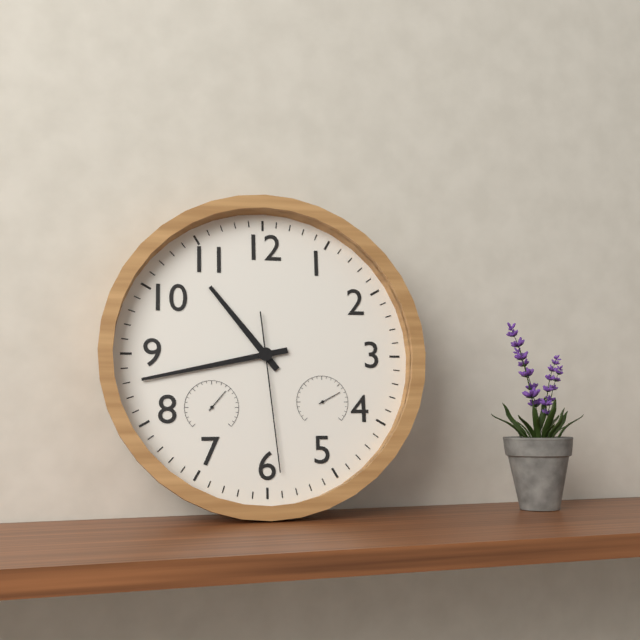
h=10 m=43 s=29
